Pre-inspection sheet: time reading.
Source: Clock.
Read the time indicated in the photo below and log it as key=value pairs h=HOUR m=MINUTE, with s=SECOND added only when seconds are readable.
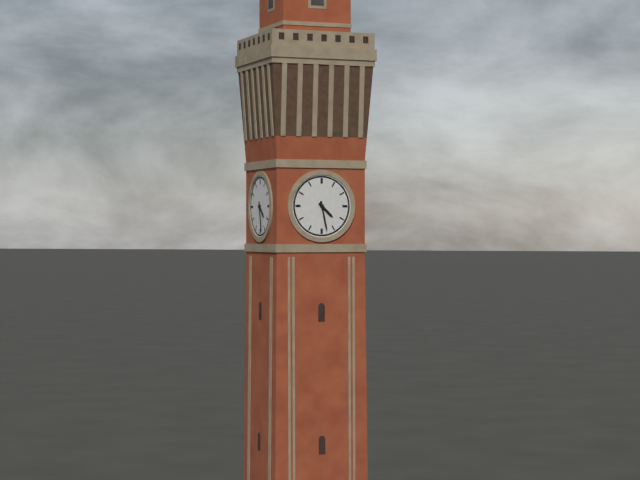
h=4 m=28
